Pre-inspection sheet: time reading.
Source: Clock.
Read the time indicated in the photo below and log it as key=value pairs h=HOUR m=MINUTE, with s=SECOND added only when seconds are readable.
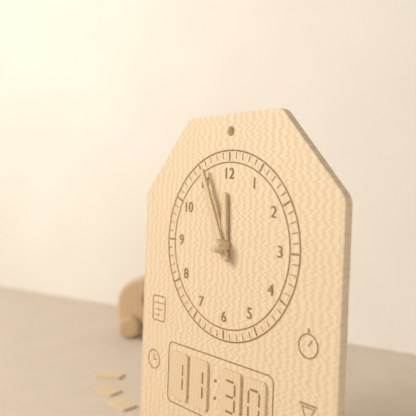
h=11 m=56
